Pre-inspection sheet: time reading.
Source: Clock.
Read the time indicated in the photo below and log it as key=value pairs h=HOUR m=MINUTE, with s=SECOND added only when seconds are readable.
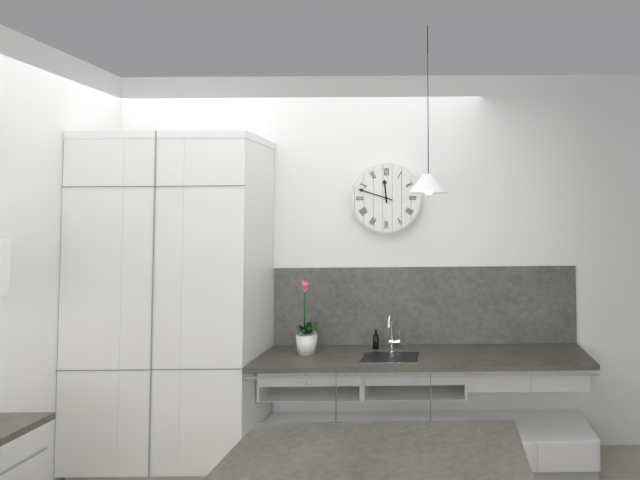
h=11 m=48
